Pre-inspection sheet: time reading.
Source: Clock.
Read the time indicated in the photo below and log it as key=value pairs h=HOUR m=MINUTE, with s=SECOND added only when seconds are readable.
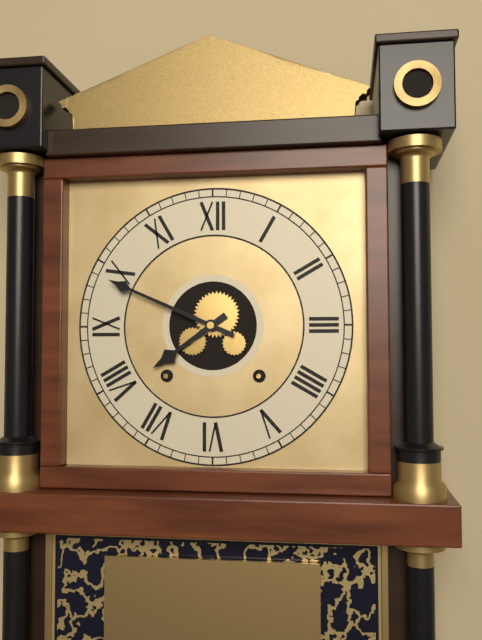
h=7 m=49
